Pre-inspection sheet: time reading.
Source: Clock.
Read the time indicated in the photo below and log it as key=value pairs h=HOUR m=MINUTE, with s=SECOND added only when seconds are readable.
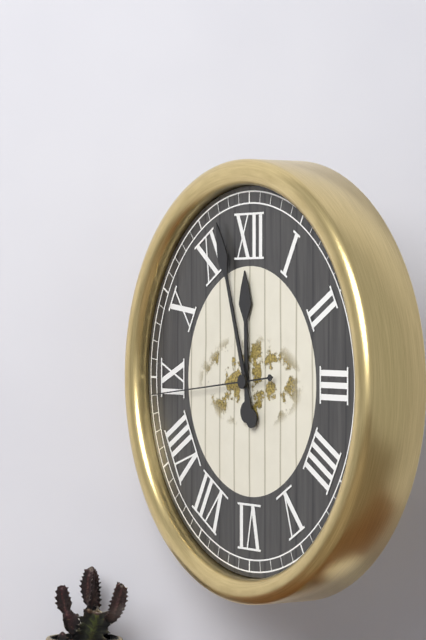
h=11 m=57 s=44
